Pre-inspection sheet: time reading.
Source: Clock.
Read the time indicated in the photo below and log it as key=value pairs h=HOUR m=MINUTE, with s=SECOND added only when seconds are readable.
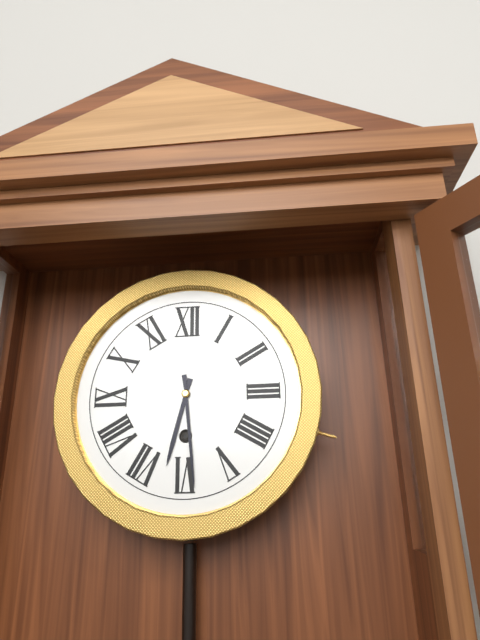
h=6 m=29
